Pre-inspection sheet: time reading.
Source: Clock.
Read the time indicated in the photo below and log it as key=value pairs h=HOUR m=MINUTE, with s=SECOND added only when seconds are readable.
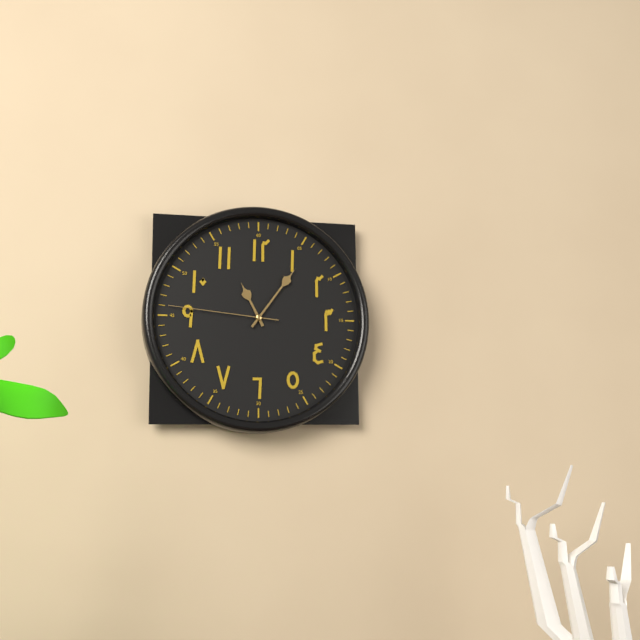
h=11 m=6 s=46
